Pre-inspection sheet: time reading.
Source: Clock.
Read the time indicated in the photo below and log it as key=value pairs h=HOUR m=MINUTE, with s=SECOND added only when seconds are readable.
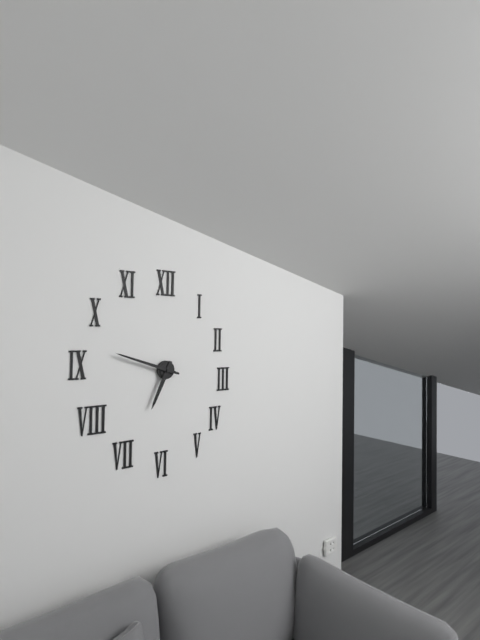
h=6 m=48
